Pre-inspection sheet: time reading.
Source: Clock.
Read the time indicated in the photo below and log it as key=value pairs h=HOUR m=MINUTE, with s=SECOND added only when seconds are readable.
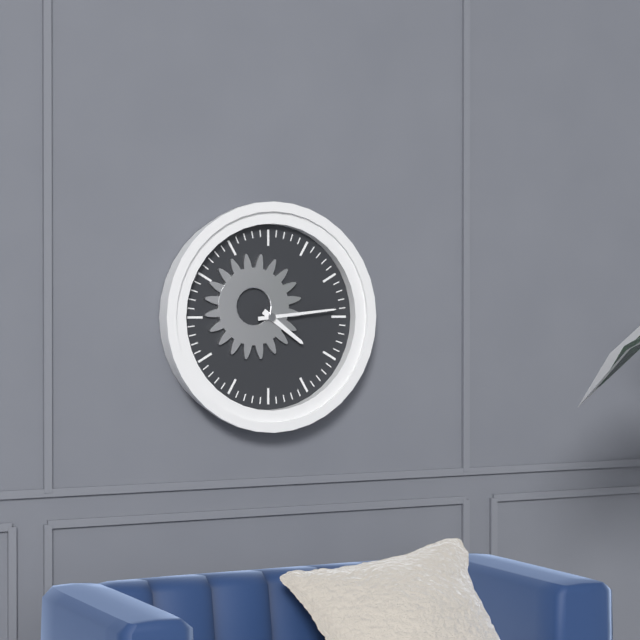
h=4 m=14
